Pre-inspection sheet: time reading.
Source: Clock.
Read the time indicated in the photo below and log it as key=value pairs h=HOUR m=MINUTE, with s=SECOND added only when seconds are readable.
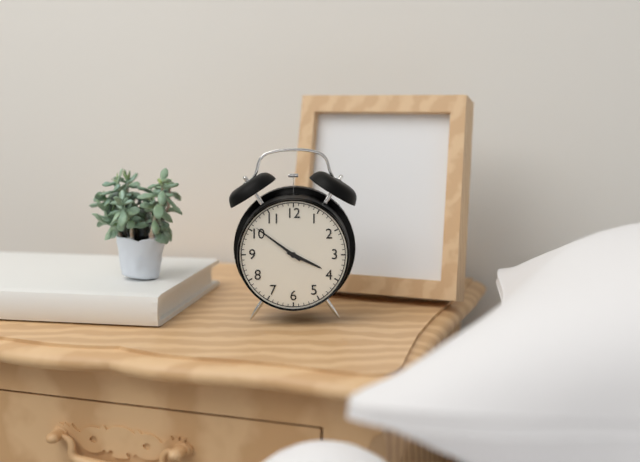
h=3 m=51
